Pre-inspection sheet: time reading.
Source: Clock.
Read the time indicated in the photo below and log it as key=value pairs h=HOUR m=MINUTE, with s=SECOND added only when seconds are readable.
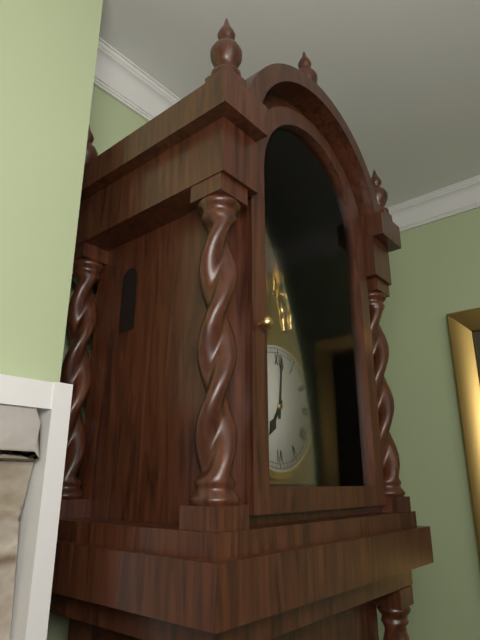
h=7 m=1
